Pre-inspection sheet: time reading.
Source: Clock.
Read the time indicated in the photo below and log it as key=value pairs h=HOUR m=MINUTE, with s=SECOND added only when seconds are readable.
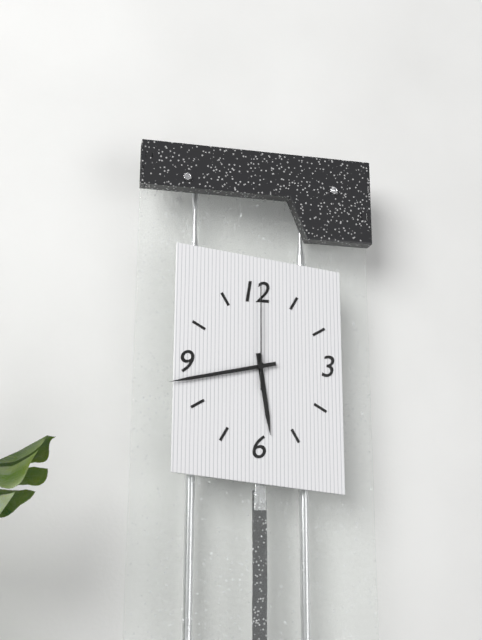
h=5 m=43 s=0
